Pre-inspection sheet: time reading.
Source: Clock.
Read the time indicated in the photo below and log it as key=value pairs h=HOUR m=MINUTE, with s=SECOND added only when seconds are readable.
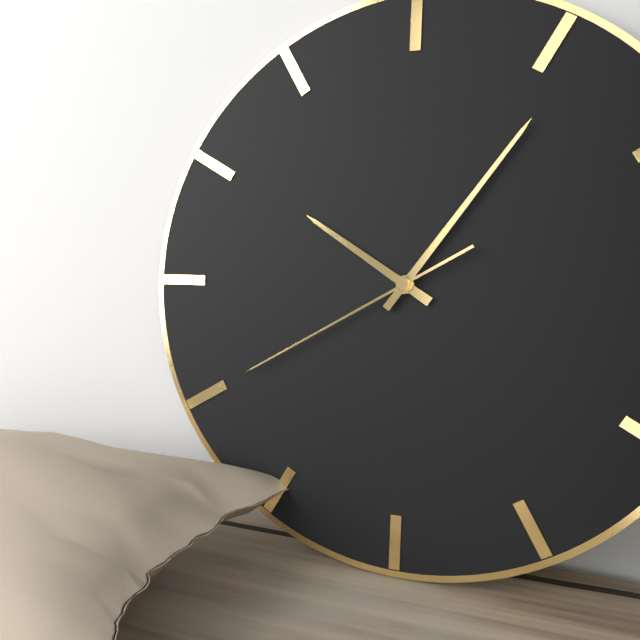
h=10 m=6 s=40
